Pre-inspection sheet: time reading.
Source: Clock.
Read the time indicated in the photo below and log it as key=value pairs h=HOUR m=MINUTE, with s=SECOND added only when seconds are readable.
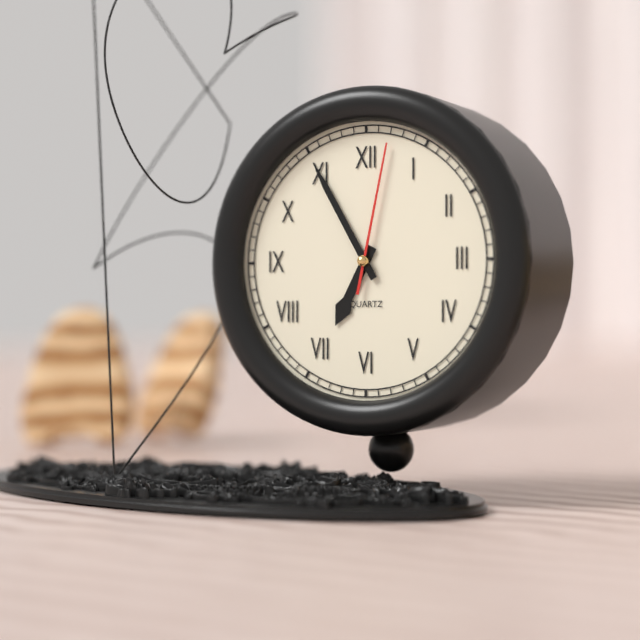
h=6 m=55 s=2
